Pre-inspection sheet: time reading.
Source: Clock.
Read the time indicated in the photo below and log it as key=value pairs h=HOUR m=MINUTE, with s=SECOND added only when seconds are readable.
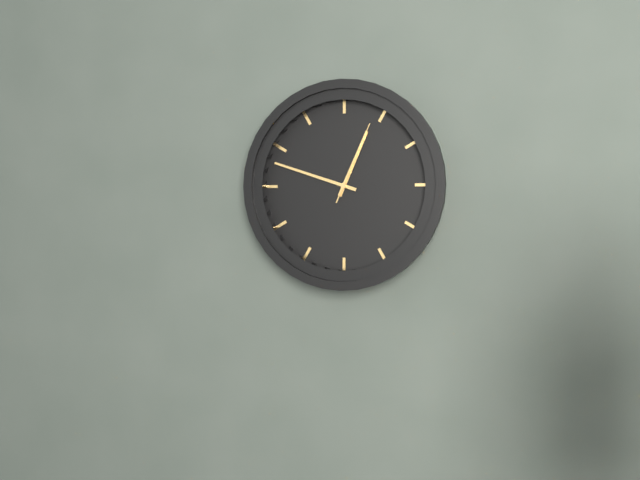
h=12 m=48 s=4
